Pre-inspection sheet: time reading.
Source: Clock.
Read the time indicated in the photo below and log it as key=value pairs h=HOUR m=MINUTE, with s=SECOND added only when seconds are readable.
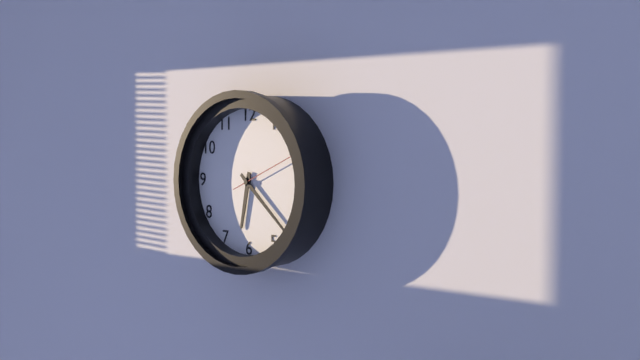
h=6 m=22 s=11
